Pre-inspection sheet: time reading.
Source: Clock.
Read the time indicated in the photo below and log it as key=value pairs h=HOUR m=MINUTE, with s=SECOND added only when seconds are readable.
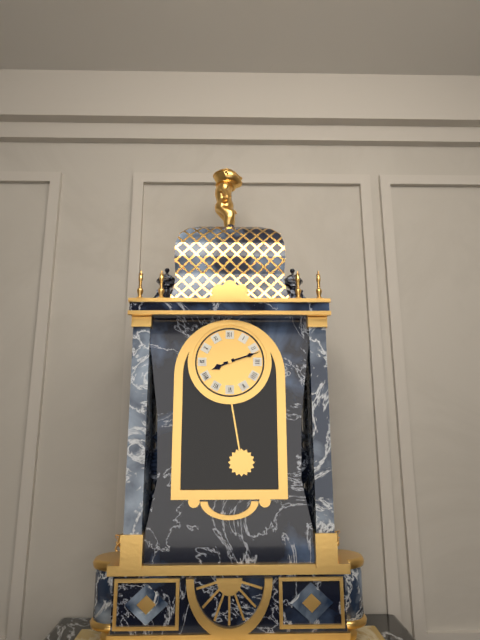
h=8 m=12
